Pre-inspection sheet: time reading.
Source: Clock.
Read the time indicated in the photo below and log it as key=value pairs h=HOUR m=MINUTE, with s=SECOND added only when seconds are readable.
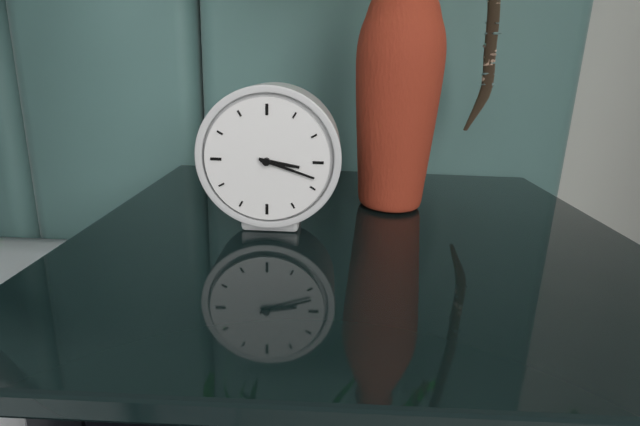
h=3 m=18
